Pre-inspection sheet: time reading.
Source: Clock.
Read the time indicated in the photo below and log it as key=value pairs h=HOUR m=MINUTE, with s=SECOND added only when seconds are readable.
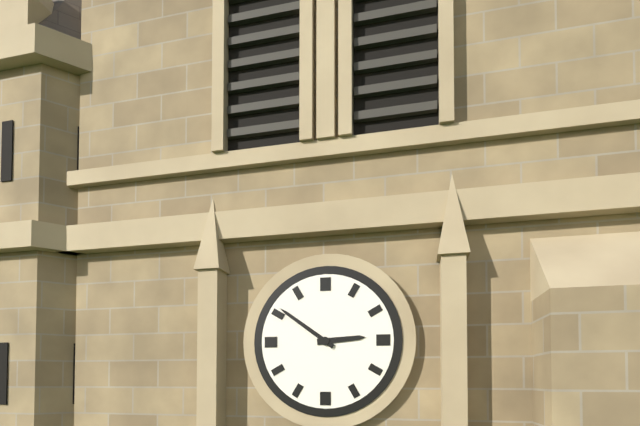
h=2 m=51
